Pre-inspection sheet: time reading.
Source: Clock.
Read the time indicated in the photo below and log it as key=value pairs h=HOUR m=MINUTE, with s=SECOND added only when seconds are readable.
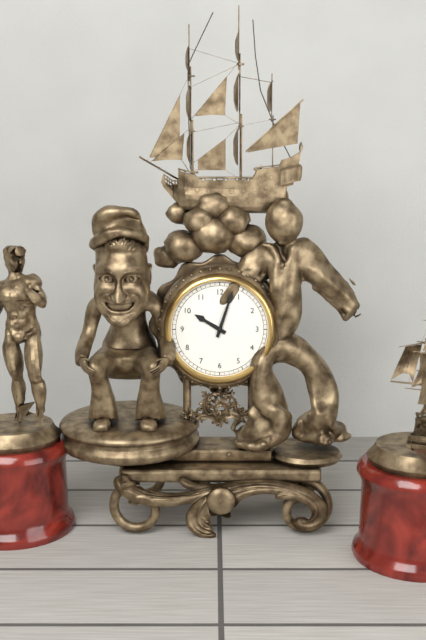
h=10 m=3
